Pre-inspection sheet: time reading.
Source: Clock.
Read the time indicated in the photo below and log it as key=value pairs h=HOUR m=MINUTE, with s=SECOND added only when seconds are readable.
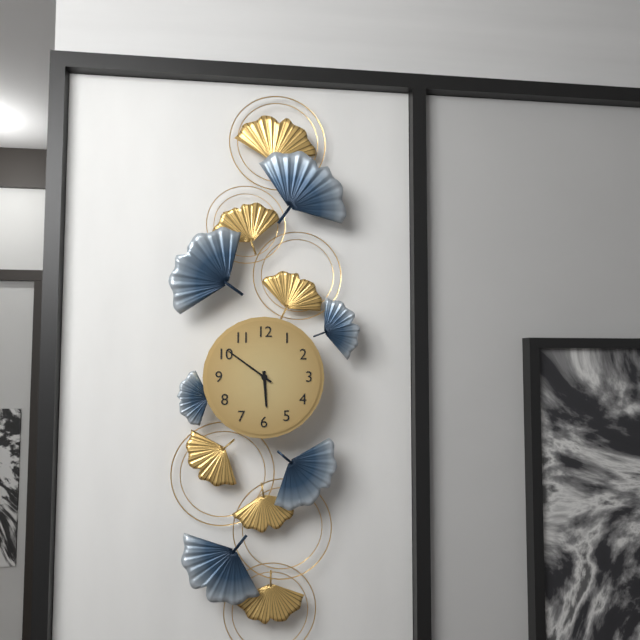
h=5 m=51
